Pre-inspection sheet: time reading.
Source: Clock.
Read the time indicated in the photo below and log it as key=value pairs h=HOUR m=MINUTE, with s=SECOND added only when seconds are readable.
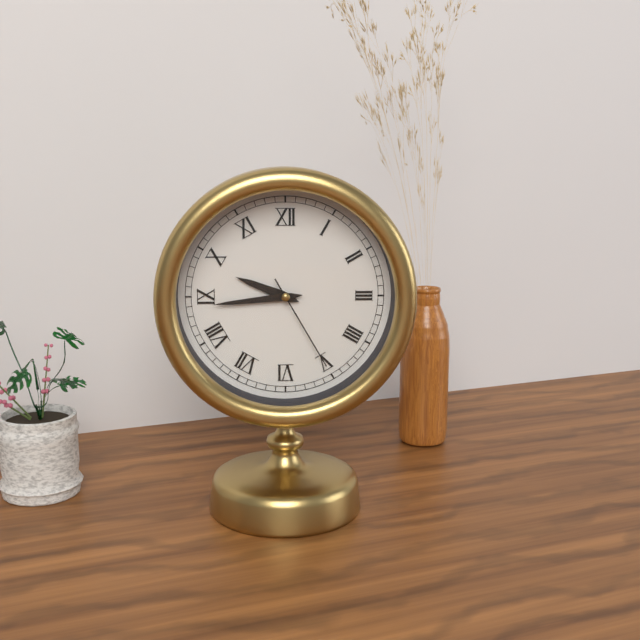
h=9 m=44 s=25
